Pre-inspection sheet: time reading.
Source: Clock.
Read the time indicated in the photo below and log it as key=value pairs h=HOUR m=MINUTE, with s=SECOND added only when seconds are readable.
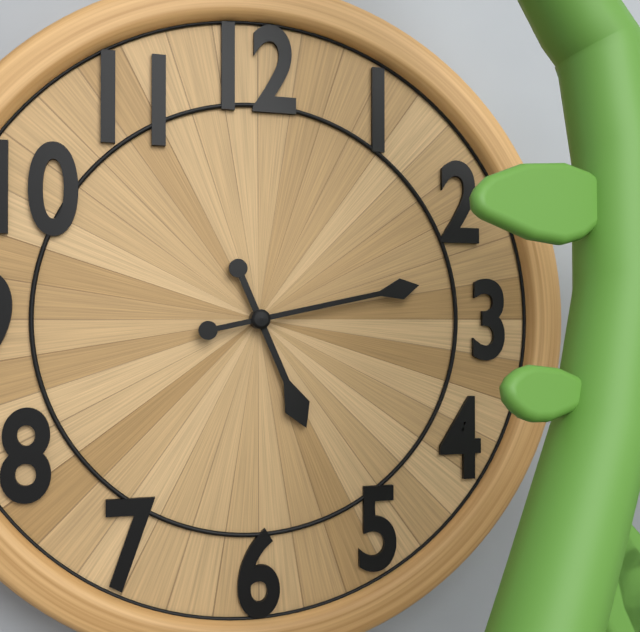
h=5 m=13
